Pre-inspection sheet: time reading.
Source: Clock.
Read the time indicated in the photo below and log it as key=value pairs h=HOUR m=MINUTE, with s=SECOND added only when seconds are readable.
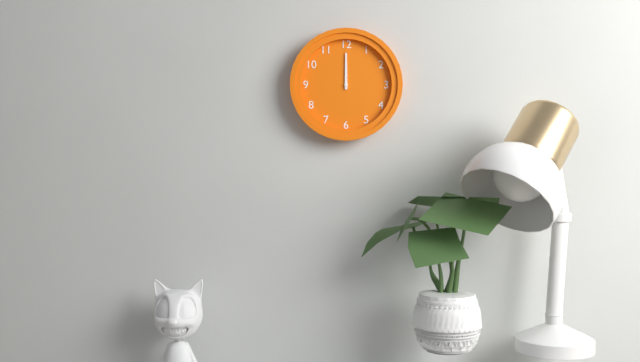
h=12 m=0
